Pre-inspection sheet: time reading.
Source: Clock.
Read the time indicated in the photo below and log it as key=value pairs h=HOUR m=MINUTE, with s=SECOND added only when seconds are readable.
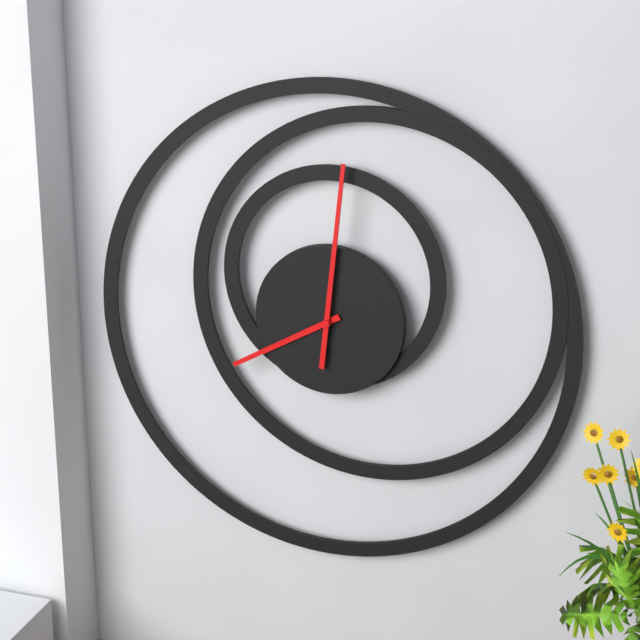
h=8 m=1
